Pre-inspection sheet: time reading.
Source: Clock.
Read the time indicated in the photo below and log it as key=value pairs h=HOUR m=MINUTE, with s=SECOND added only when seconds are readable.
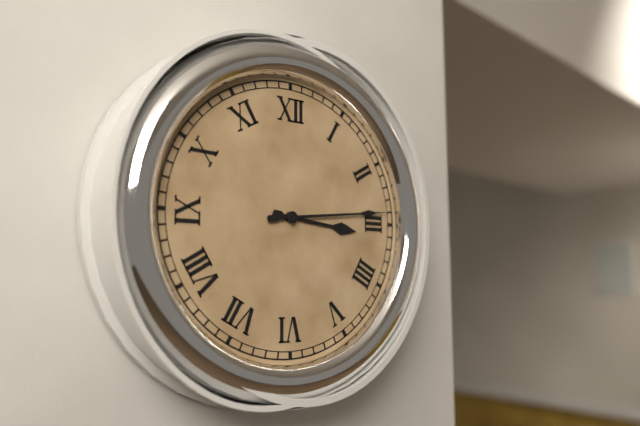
h=3 m=14
